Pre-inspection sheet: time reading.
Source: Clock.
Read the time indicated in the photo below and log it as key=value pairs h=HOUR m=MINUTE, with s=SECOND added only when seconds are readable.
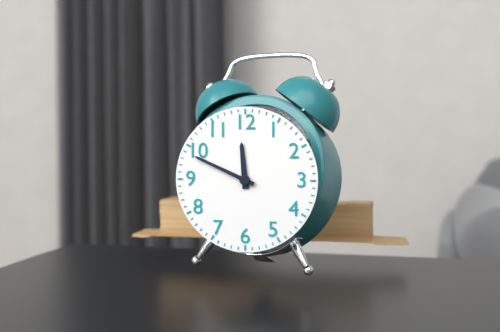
h=11 m=49
